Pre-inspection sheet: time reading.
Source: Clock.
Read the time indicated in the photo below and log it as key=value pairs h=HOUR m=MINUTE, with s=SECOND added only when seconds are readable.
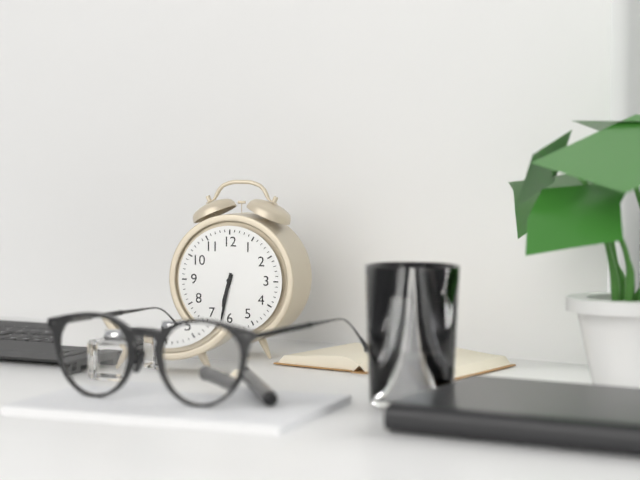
h=6 m=32
